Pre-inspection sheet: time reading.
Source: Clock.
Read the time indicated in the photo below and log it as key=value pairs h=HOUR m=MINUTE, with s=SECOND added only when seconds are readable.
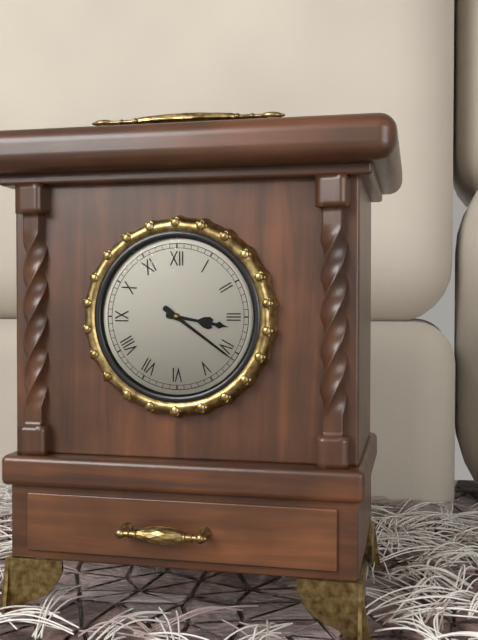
h=3 m=21
